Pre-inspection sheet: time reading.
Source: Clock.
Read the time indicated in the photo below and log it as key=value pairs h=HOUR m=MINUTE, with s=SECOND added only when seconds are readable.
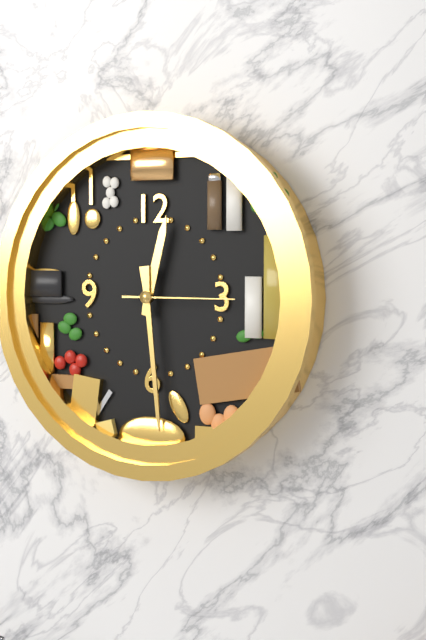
h=12 m=29 s=15
